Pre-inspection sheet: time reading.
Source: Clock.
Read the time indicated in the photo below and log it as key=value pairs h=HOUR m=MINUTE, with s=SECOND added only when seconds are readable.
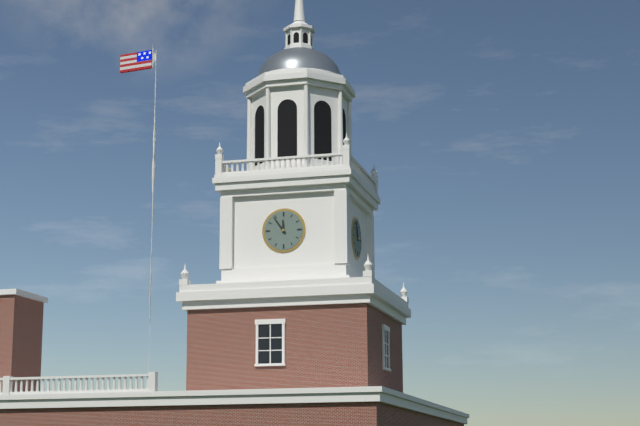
h=11 m=54
